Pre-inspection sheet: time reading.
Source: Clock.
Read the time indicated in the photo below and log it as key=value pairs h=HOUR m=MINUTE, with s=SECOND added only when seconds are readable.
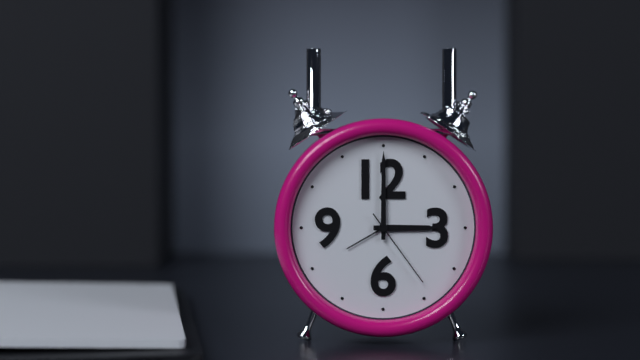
h=3 m=0 s=24
